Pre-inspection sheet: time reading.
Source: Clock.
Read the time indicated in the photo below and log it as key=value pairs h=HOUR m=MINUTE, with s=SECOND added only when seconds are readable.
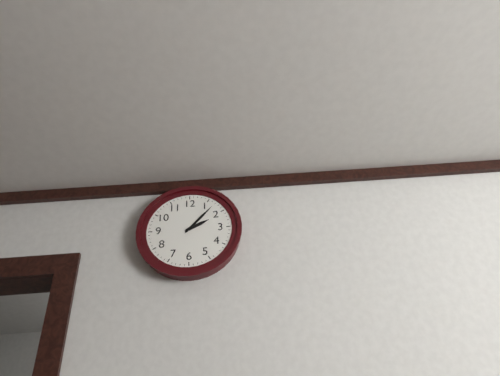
h=2 m=7
